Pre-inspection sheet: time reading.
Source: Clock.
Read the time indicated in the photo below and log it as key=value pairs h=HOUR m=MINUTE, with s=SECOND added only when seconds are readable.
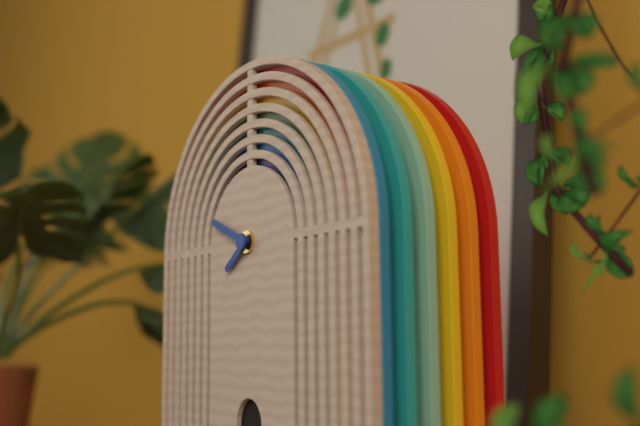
h=7 m=49
